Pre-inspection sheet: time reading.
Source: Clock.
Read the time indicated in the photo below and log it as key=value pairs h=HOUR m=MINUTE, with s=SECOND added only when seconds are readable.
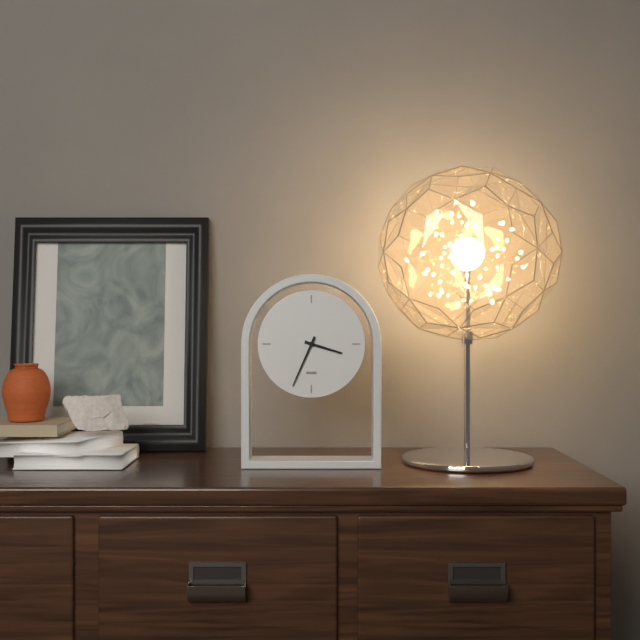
h=3 m=34
